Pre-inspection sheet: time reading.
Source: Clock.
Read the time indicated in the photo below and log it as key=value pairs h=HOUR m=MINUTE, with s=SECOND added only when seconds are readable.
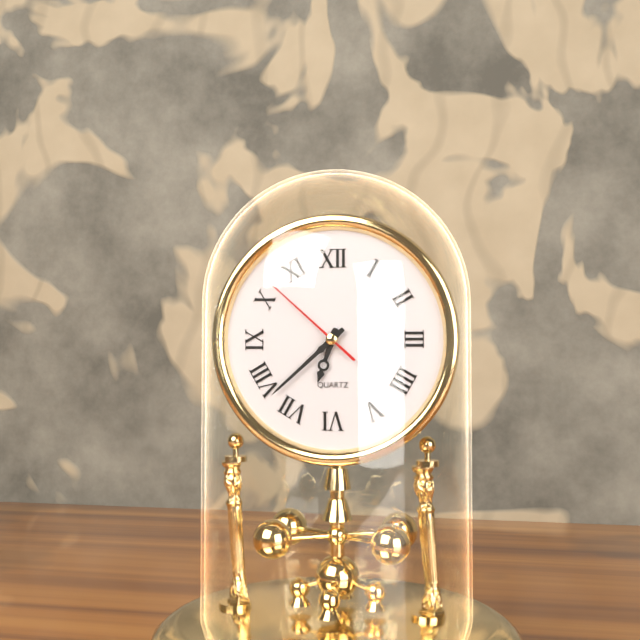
h=6 m=38 s=52
